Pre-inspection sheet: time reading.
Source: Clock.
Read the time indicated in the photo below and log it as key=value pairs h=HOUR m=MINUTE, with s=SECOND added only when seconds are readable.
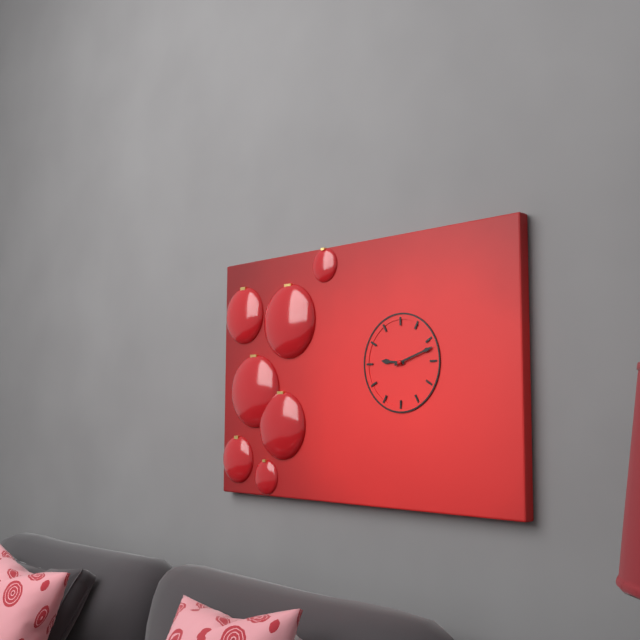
h=9 m=12
